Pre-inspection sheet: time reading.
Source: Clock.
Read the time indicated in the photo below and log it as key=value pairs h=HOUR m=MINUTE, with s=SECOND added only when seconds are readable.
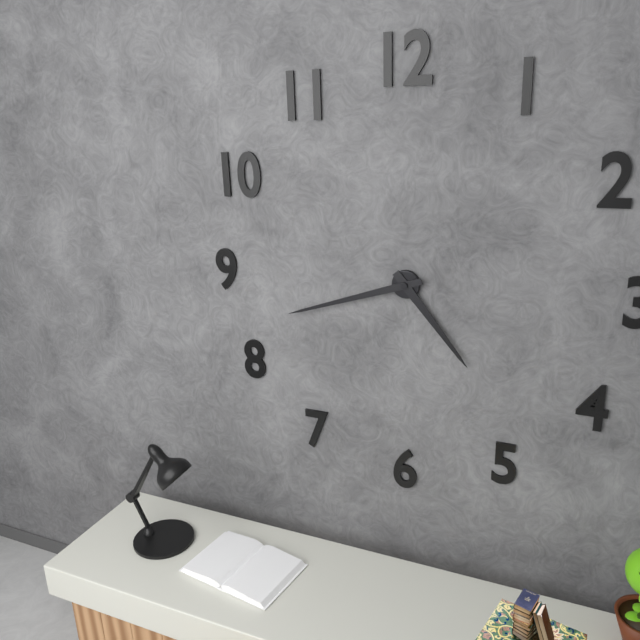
h=4 m=42
